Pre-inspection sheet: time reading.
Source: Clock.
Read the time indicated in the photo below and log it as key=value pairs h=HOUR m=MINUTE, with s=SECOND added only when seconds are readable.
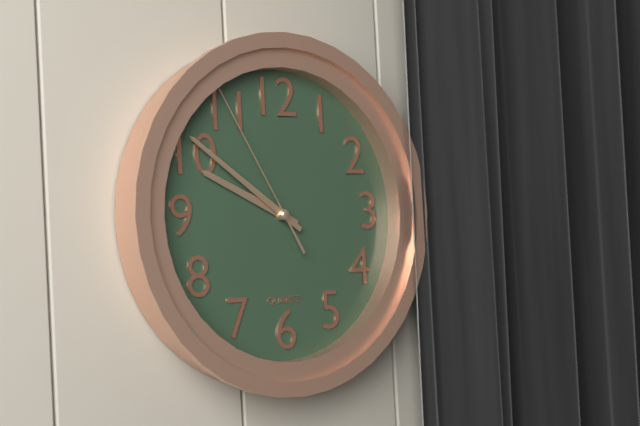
h=9 m=51 s=55
